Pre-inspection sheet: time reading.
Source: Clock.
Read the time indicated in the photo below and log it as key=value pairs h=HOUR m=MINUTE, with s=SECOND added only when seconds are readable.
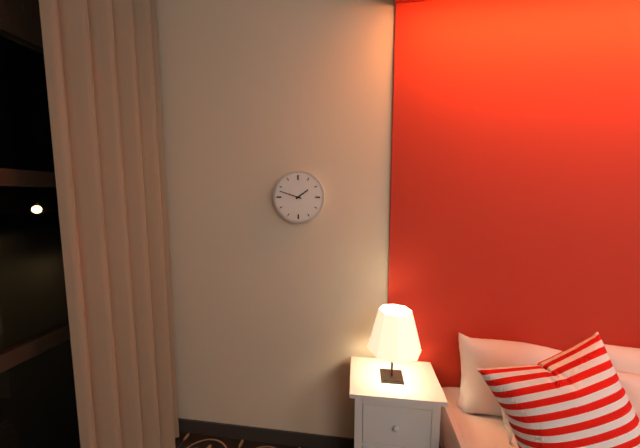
h=1 m=48
